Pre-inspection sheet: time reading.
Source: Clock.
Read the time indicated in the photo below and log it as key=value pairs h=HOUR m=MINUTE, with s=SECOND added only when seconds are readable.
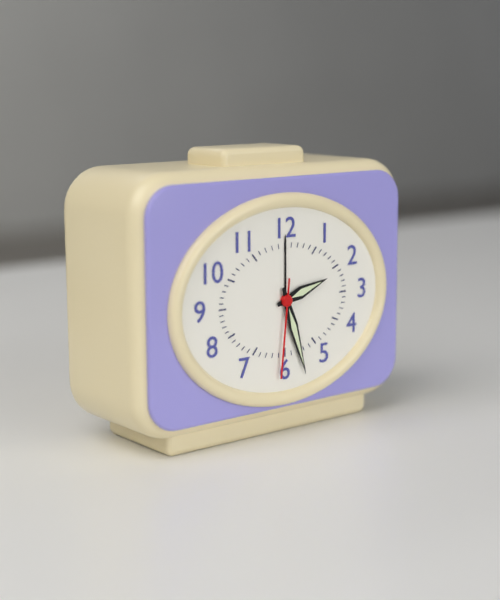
h=2 m=27 s=31
